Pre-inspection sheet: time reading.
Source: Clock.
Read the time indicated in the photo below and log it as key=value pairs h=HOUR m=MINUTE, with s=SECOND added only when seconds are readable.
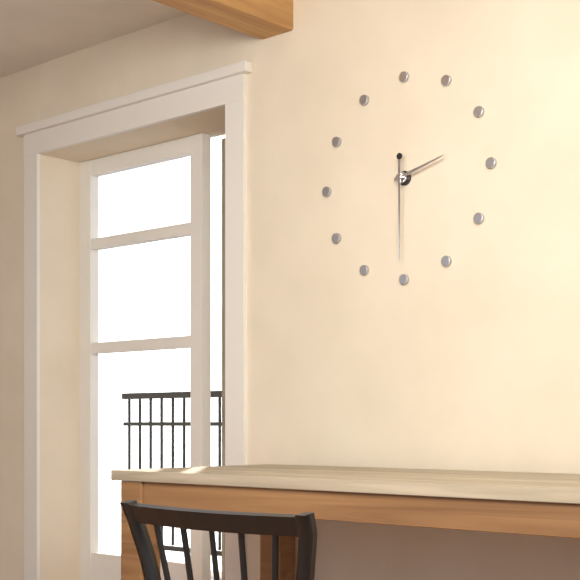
h=2 m=30
